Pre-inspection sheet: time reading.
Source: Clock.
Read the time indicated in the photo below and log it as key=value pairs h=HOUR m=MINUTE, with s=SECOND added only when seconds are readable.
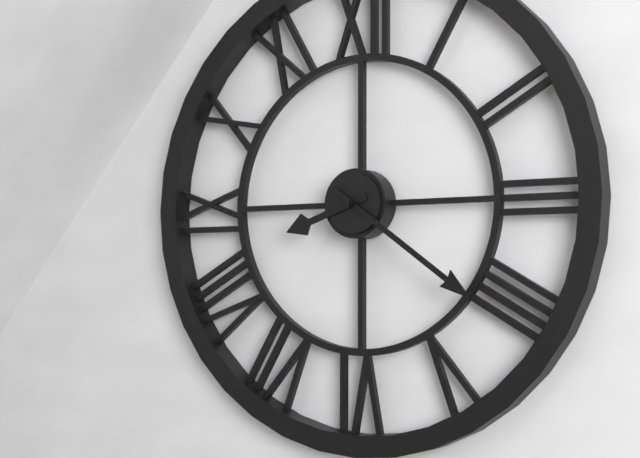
h=8 m=21
